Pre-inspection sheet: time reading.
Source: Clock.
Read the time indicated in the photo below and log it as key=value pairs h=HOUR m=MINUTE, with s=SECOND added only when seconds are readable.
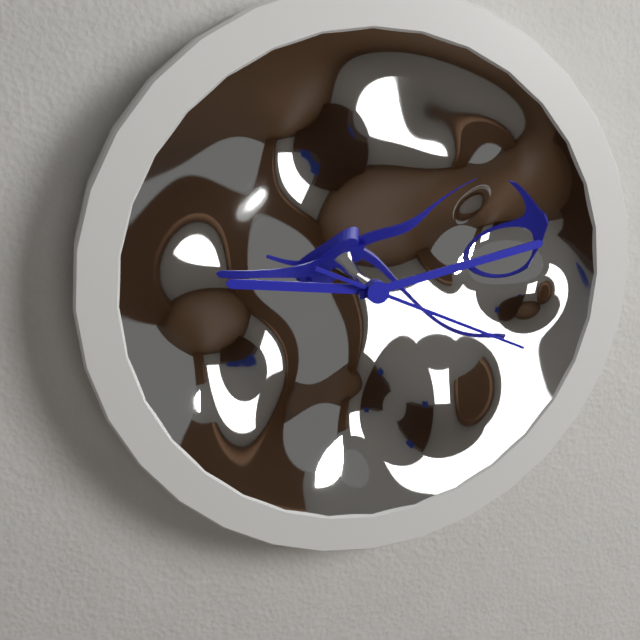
h=9 m=13 s=19
